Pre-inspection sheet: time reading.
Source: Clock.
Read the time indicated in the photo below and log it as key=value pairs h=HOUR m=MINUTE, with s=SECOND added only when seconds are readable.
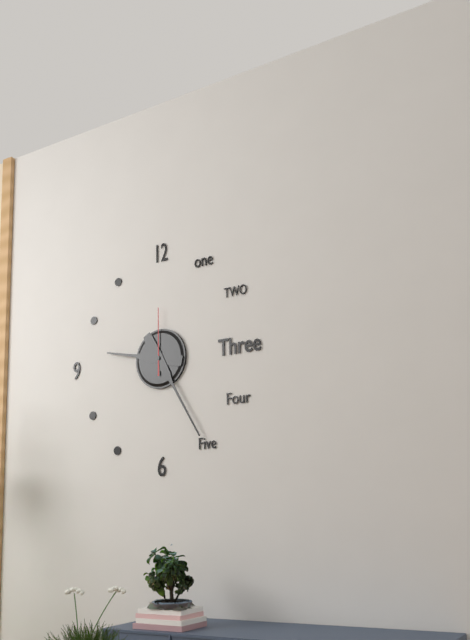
h=9 m=25 s=0
